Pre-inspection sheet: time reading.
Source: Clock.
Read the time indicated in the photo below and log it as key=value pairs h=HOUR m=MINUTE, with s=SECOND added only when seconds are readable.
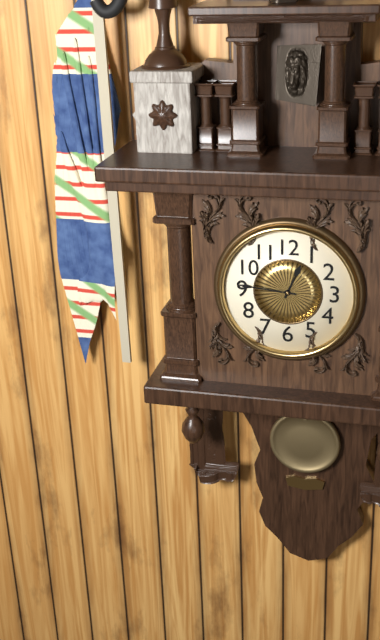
h=12 m=46
